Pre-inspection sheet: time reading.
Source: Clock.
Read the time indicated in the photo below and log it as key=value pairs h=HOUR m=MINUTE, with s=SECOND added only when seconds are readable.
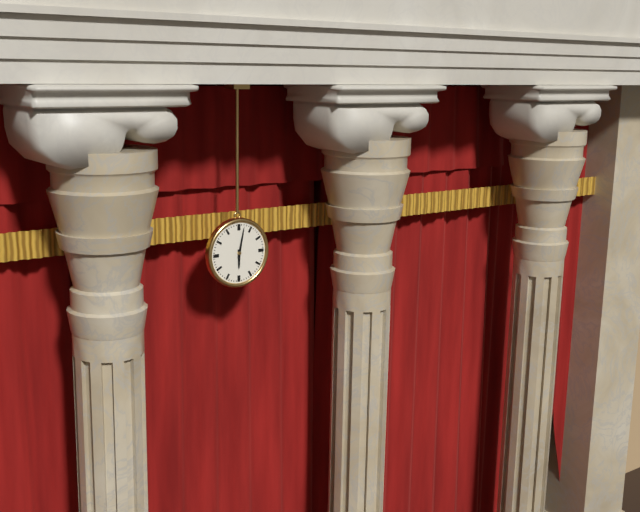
h=6 m=2
